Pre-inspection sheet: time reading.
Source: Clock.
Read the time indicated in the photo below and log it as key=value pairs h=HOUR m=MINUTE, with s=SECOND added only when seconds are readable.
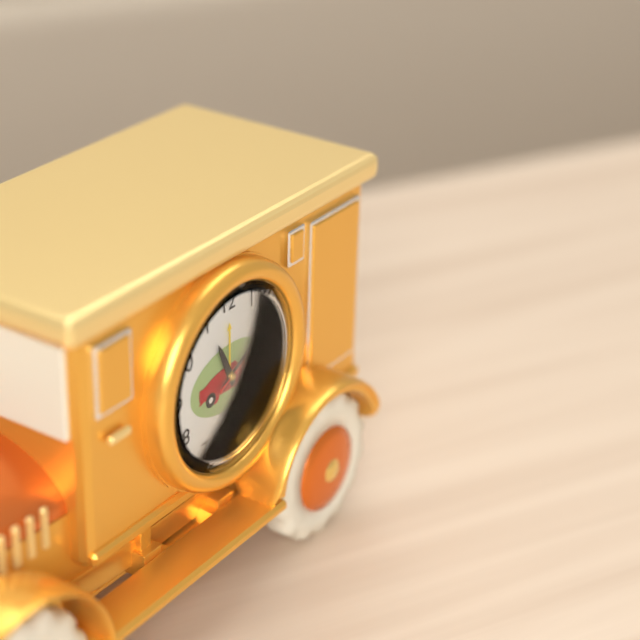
h=11 m=10 s=11
